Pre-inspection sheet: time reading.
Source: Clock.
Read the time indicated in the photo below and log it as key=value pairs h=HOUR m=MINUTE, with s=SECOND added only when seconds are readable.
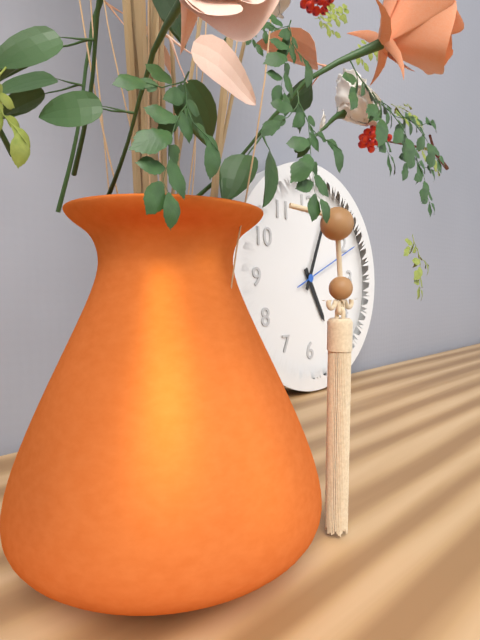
h=5 m=4 s=11
